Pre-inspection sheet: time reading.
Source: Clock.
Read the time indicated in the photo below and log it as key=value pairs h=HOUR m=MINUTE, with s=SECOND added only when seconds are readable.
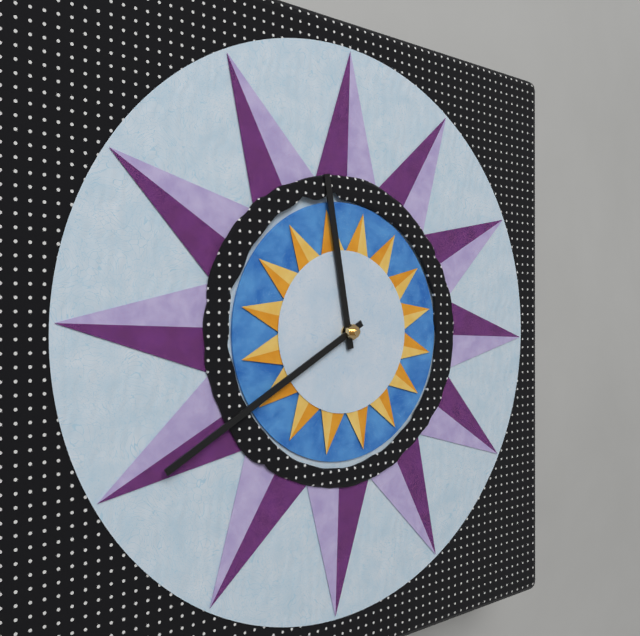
h=11 m=40
